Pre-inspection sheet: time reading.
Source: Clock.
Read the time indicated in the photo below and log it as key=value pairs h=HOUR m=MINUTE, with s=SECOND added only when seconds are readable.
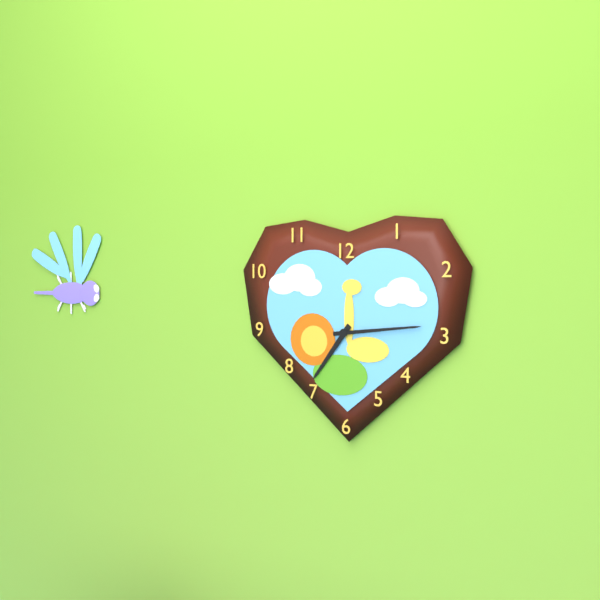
h=7 m=14
